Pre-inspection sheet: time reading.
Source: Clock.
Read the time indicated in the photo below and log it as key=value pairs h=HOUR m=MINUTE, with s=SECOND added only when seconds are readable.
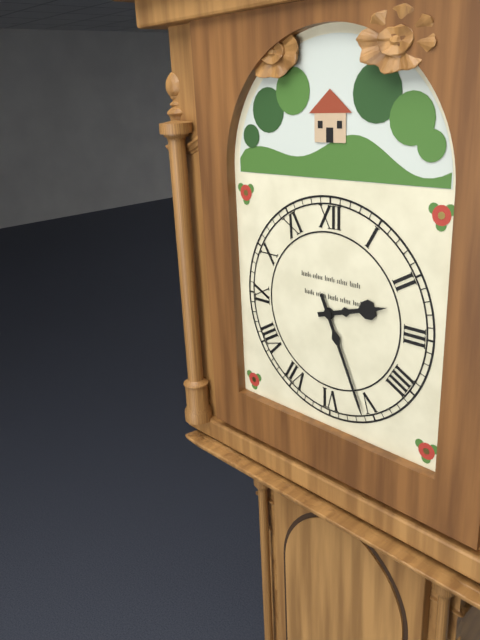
h=2 m=26
